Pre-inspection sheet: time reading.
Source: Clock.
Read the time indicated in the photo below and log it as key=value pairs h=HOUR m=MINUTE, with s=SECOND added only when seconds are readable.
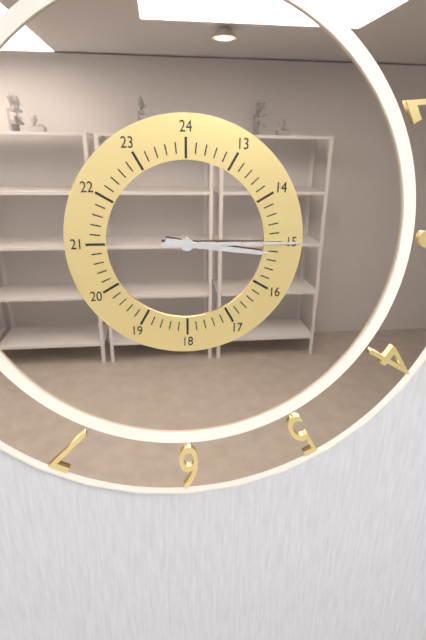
h=3 m=15
